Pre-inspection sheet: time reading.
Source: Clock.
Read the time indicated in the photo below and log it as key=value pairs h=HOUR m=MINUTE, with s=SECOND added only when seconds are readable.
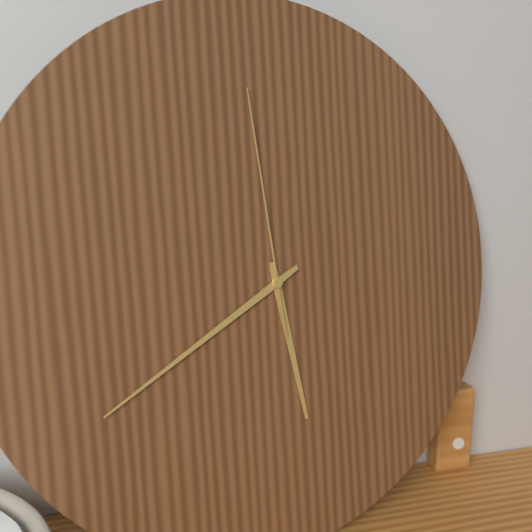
h=5 m=40 s=59
